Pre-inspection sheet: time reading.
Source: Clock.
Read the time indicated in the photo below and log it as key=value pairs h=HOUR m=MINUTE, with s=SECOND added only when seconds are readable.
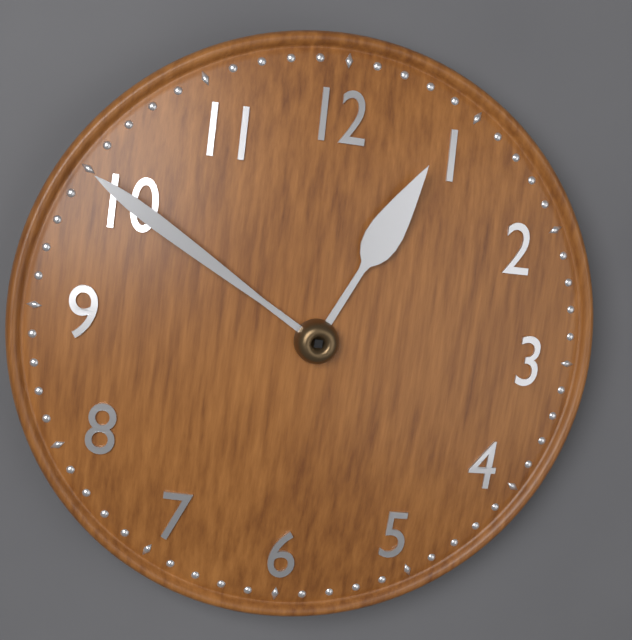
h=12 m=50
